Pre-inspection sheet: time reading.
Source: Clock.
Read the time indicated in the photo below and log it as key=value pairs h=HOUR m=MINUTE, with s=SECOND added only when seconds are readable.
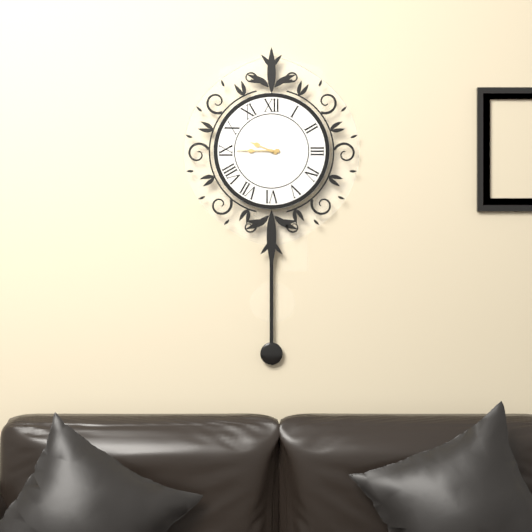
h=9 m=45
